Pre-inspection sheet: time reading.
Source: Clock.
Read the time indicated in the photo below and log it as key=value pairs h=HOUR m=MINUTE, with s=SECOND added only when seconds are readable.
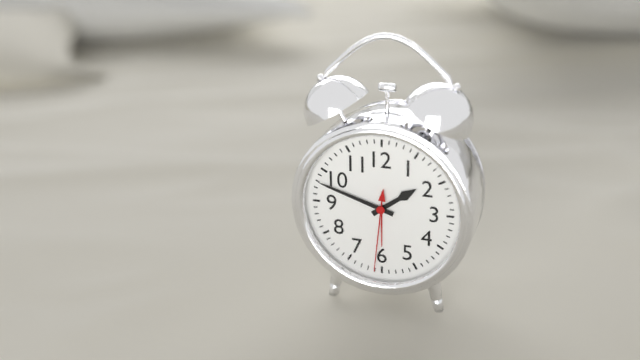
h=1 m=48 s=31
